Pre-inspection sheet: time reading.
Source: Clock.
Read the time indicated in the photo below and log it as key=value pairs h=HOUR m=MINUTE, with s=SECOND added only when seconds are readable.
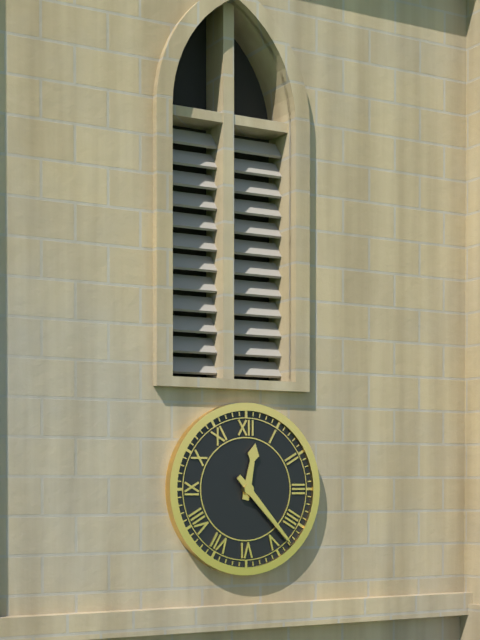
h=12 m=23
